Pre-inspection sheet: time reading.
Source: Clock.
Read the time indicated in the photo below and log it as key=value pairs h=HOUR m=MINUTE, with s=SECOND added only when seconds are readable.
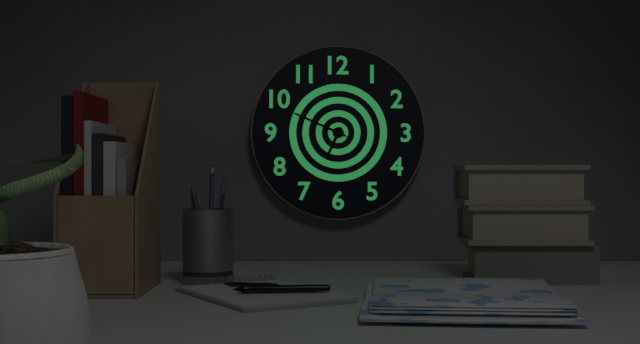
h=6 m=49 s=49
